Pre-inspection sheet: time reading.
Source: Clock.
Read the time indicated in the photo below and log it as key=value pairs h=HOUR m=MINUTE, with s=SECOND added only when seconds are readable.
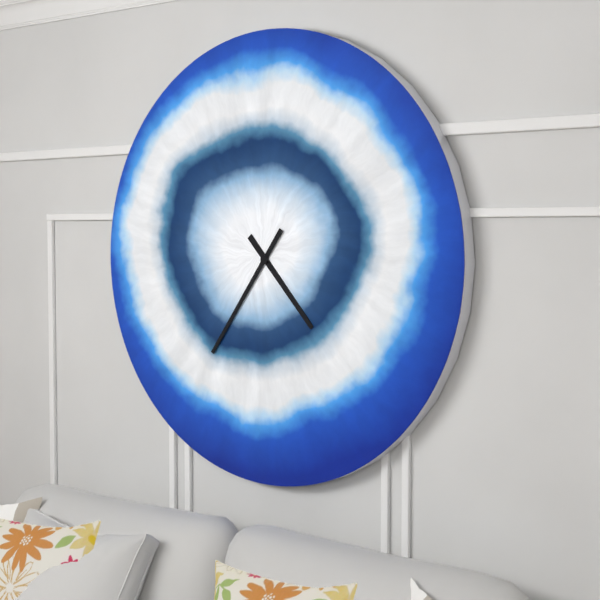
h=4 m=36
